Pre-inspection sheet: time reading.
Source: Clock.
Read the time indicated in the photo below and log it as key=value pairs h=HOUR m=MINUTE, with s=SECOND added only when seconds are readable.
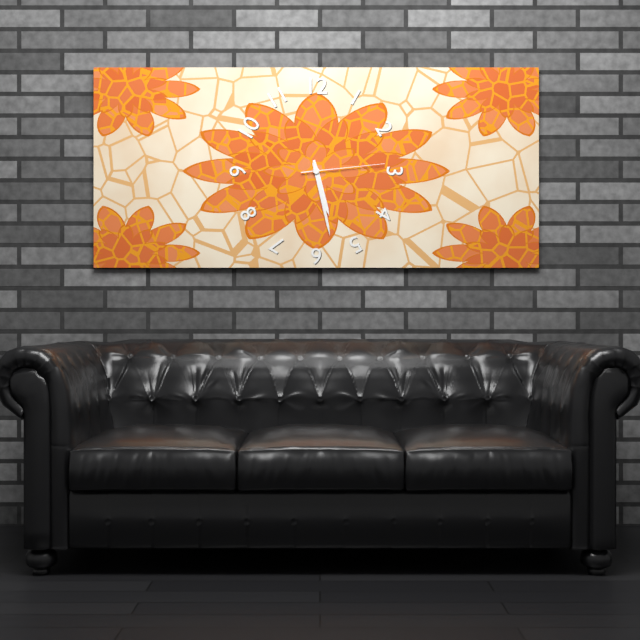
h=5 m=28 s=14
